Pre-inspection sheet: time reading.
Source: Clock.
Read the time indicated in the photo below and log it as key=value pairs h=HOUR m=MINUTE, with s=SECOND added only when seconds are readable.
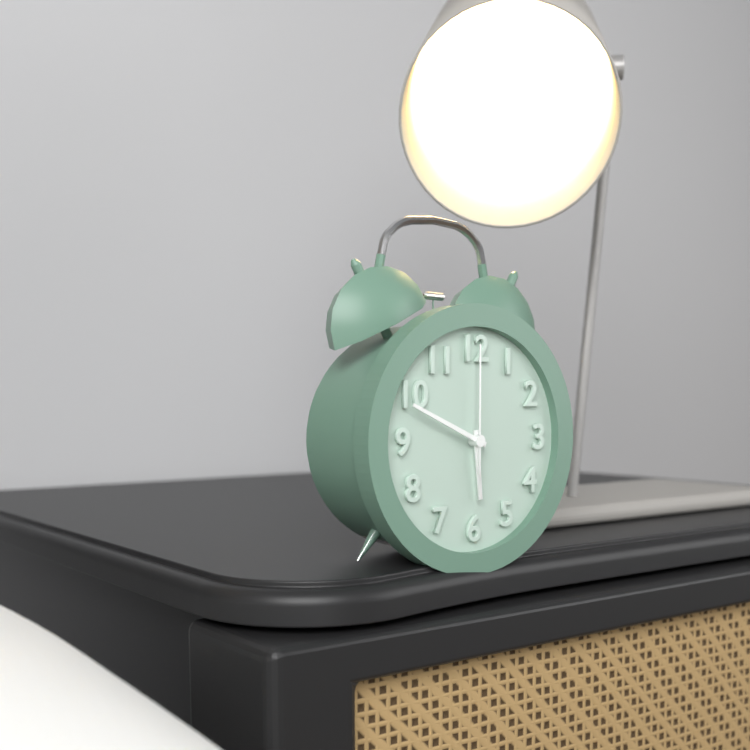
h=5 m=49 s=0
